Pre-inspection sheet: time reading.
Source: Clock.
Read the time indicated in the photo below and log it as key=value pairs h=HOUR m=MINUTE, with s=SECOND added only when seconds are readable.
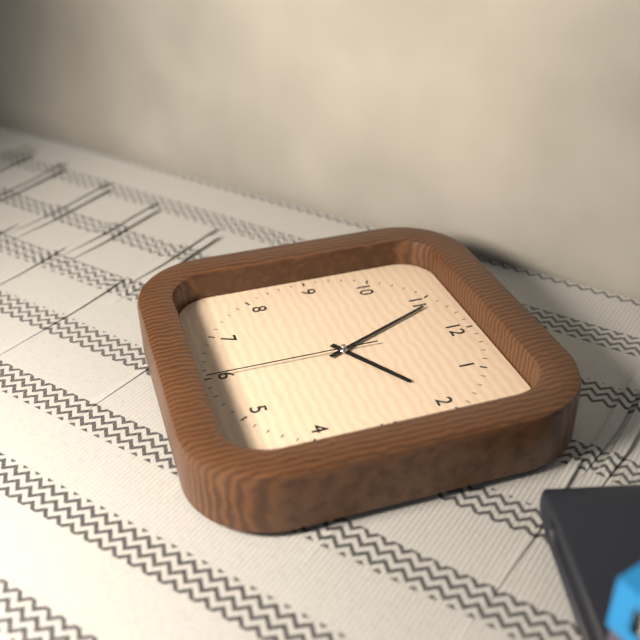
h=1 m=56 s=30
